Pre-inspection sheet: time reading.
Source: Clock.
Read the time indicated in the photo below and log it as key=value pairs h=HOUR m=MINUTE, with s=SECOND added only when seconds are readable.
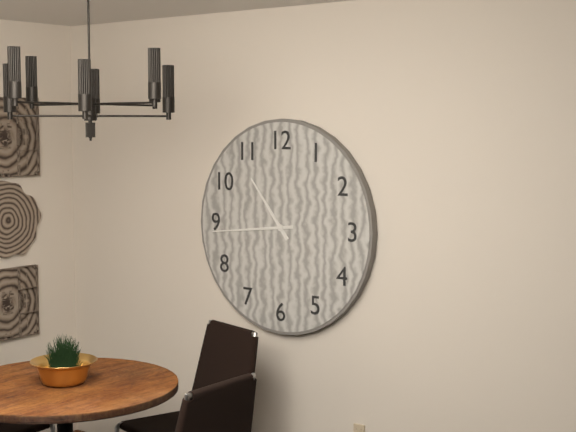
h=10 m=44
